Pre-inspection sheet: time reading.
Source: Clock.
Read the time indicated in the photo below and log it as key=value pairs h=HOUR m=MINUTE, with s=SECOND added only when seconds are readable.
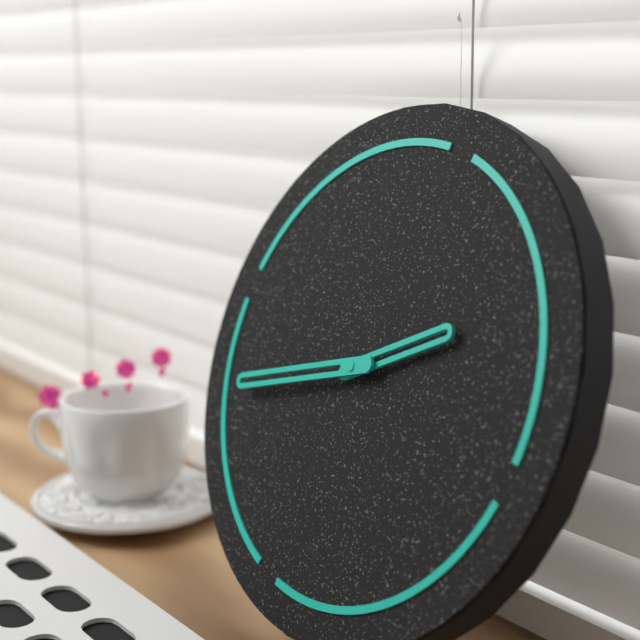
h=1 m=40
